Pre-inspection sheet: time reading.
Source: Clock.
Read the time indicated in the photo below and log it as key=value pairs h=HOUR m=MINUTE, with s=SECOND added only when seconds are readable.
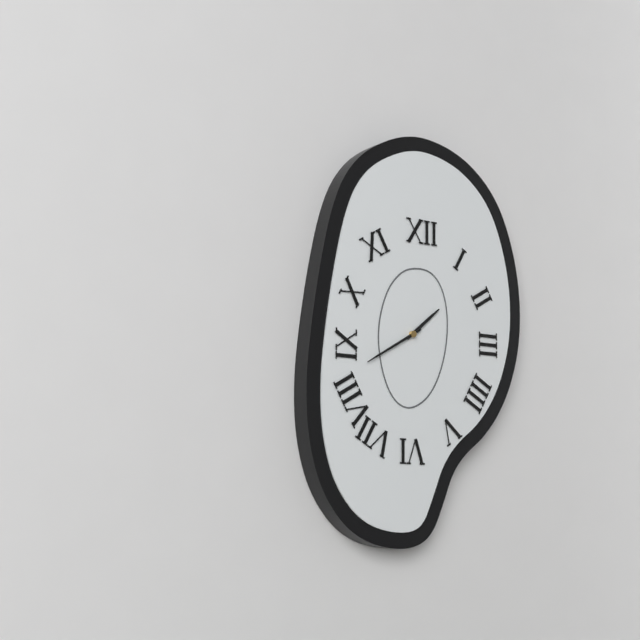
h=1 m=40
